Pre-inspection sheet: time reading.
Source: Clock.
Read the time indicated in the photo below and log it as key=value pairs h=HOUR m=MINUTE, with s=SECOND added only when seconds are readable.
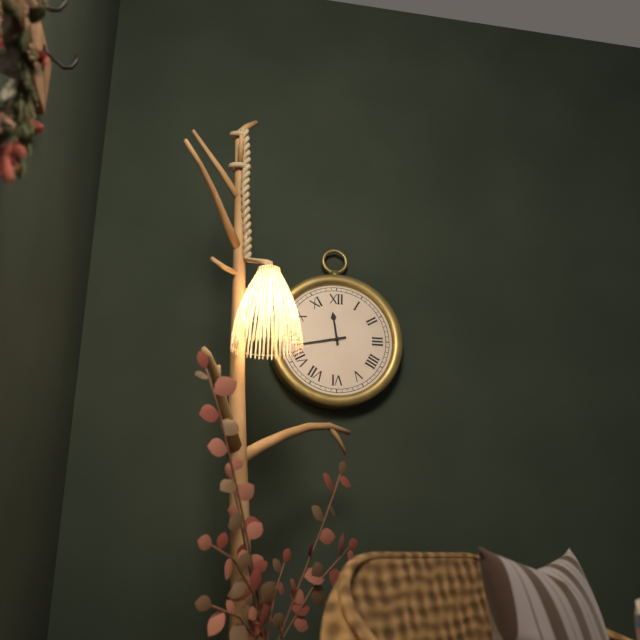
h=11 m=43
